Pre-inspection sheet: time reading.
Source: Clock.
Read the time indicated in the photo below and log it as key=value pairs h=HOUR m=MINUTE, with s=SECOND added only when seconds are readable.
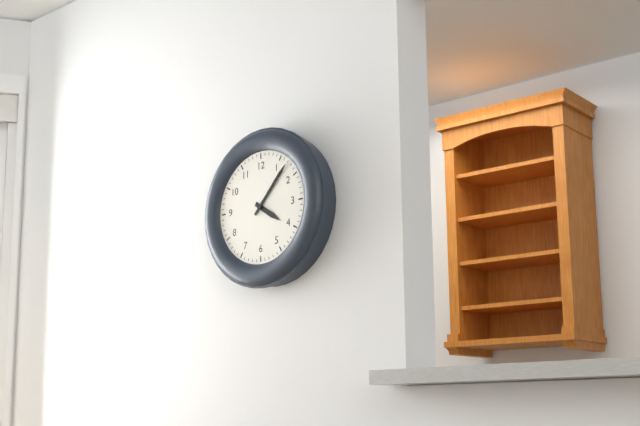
h=4 m=7
